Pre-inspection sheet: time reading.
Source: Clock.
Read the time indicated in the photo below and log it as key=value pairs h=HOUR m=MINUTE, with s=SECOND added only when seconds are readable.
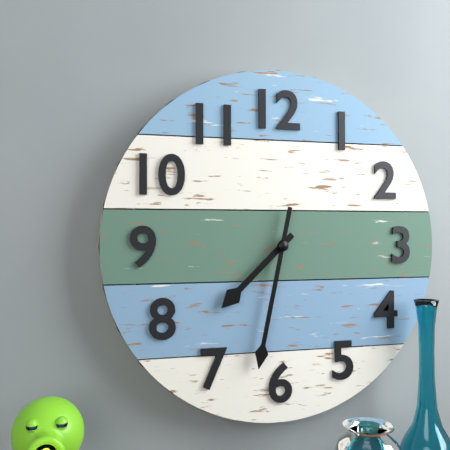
h=7 m=32
